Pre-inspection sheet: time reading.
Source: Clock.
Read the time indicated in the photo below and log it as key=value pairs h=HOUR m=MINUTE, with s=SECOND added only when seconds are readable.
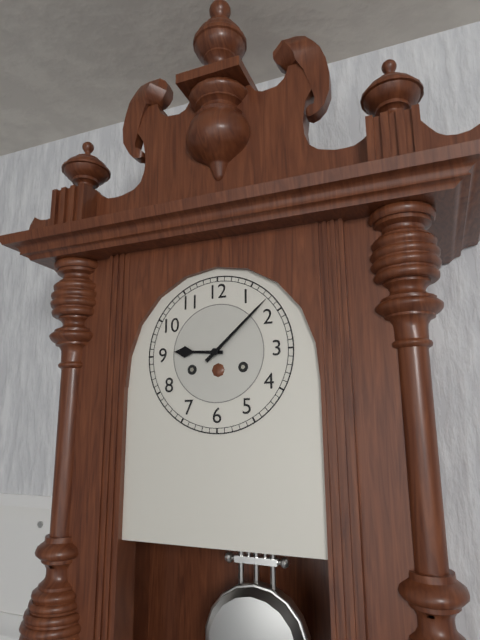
h=9 m=8
